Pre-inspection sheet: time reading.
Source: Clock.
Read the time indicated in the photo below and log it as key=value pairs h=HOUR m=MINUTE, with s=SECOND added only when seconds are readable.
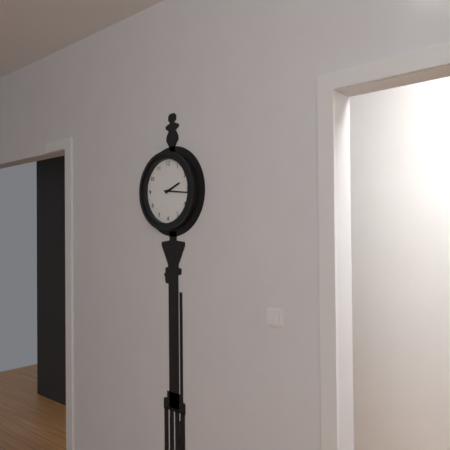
h=2 m=16
